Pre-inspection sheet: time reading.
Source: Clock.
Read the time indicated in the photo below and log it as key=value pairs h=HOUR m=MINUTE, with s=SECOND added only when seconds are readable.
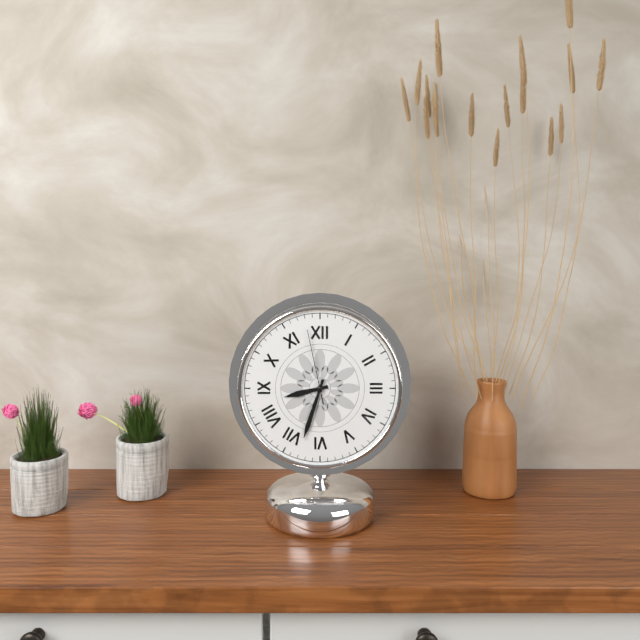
h=8 m=33 s=58
